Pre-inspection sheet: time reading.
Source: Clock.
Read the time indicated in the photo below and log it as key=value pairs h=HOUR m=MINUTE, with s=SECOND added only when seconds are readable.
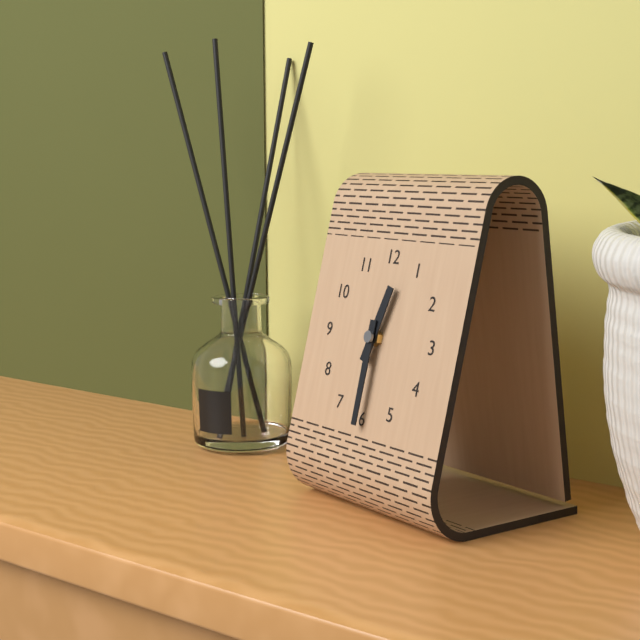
h=12 m=30
